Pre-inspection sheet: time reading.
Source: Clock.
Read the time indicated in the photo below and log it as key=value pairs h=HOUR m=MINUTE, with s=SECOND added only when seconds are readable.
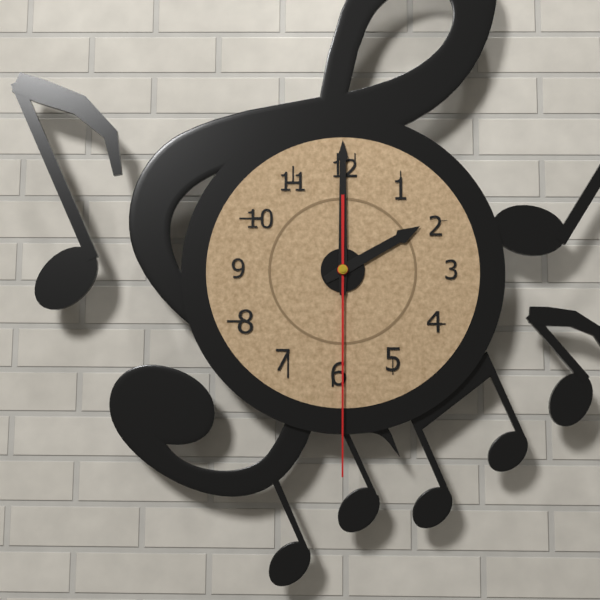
h=2 m=0 s=30
